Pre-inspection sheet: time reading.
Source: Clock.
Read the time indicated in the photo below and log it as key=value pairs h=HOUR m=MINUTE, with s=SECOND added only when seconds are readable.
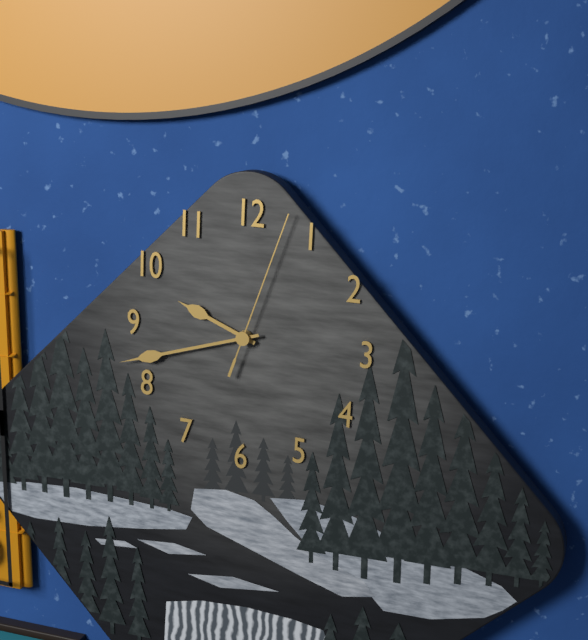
h=9 m=42 s=3
